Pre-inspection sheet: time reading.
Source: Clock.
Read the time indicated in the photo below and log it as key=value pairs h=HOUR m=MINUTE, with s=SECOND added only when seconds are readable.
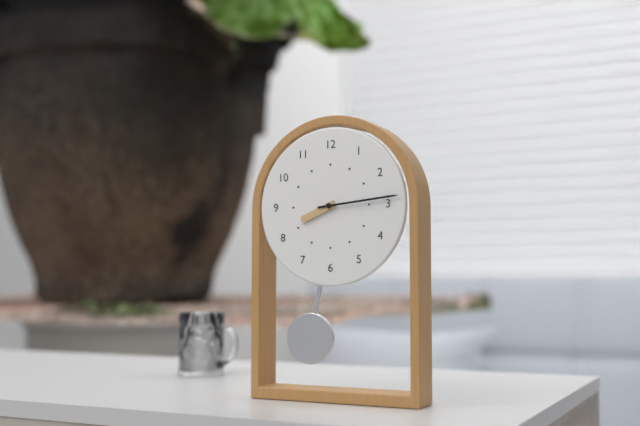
h=8 m=14
